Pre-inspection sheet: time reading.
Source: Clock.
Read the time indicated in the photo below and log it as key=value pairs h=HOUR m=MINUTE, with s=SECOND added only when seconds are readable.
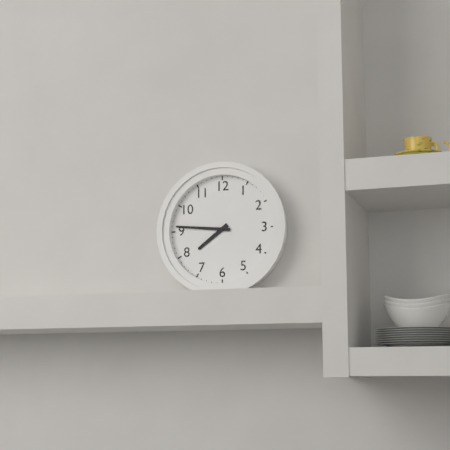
h=7 m=46
